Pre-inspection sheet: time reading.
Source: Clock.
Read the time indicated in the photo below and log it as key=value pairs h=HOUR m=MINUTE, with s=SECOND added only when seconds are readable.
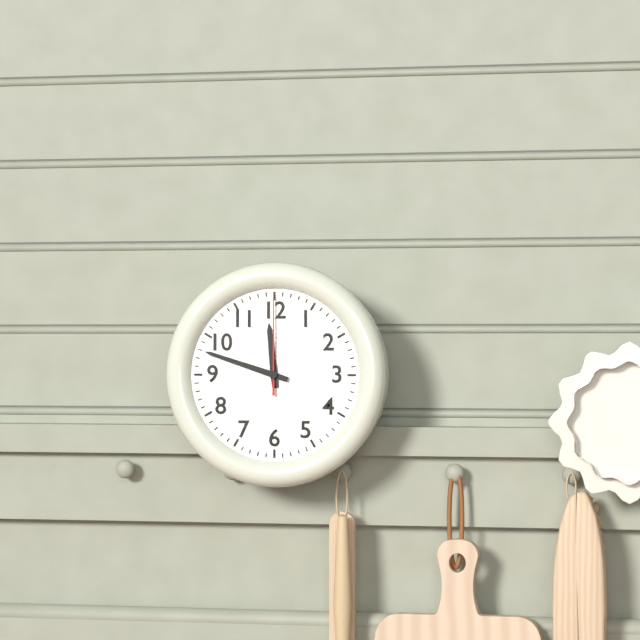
h=11 m=48 s=0
